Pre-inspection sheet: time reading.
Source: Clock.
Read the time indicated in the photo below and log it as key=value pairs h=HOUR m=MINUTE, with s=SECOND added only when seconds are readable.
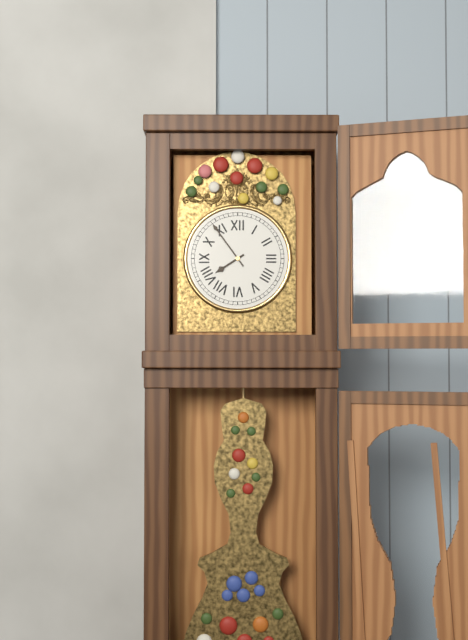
h=7 m=54
